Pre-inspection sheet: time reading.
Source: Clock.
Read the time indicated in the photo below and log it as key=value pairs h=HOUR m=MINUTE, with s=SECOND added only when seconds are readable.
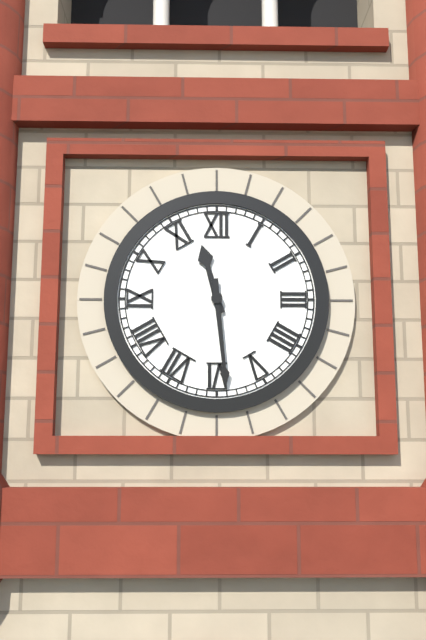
h=11 m=29
